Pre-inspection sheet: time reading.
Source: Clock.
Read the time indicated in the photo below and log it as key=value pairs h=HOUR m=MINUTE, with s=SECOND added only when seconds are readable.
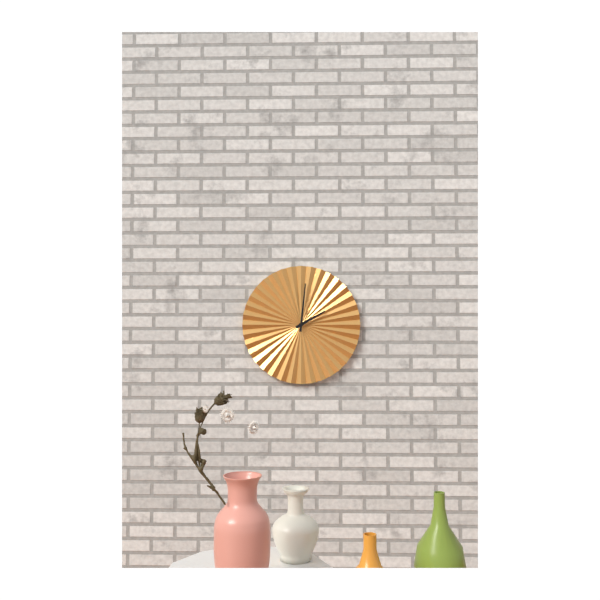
h=2 m=1
